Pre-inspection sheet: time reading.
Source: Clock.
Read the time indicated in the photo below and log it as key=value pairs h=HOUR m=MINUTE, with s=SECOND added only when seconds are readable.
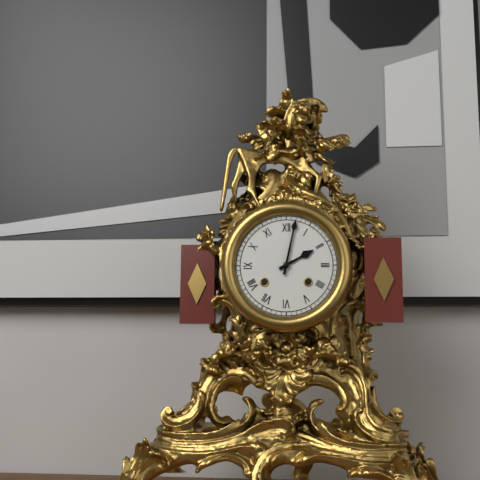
h=2 m=2
